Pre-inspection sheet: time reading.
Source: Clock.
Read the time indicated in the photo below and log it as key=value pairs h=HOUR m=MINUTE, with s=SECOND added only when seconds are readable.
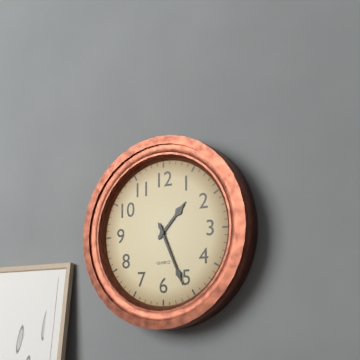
h=1 m=26
